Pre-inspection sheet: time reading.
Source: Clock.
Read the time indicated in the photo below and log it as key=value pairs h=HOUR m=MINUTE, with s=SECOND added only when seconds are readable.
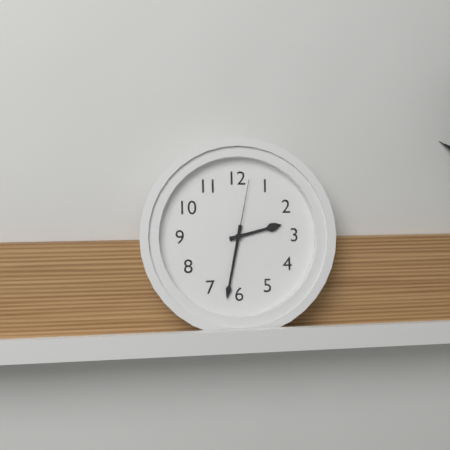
h=2 m=32 s=2
